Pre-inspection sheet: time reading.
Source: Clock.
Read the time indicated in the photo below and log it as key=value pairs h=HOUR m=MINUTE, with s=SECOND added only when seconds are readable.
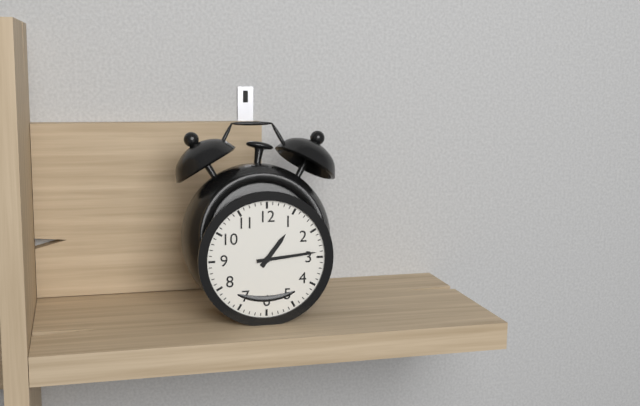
h=1 m=14
